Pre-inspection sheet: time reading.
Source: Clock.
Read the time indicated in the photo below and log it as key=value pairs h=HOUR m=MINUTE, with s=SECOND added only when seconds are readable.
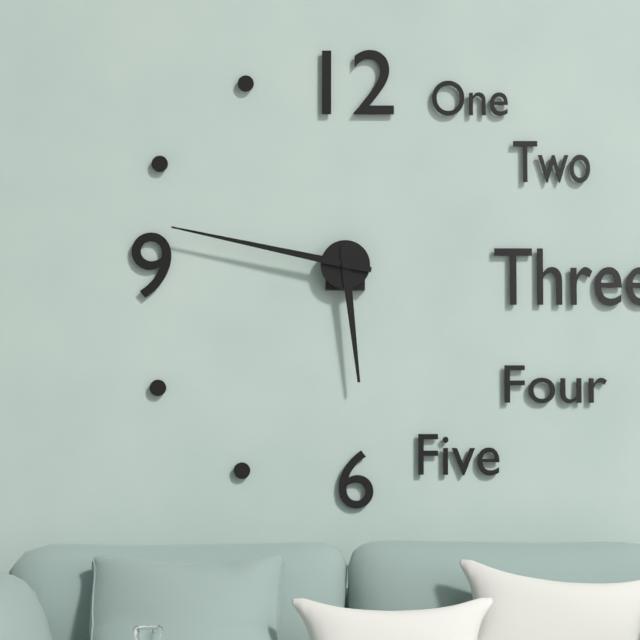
h=5 m=47
